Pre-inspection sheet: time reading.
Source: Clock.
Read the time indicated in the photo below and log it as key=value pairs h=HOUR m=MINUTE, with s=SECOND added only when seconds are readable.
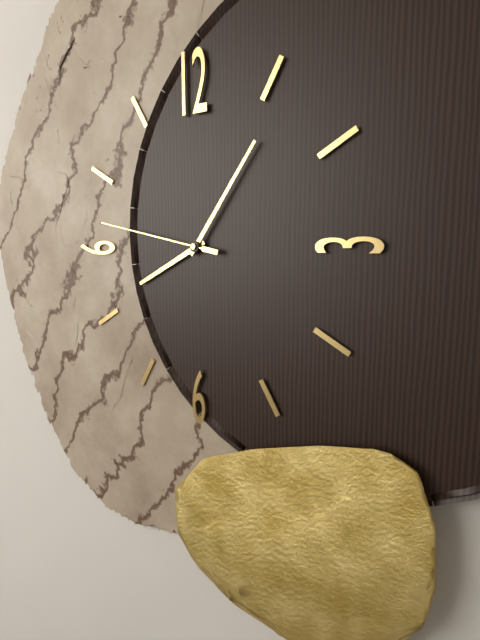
h=8 m=6 s=47
